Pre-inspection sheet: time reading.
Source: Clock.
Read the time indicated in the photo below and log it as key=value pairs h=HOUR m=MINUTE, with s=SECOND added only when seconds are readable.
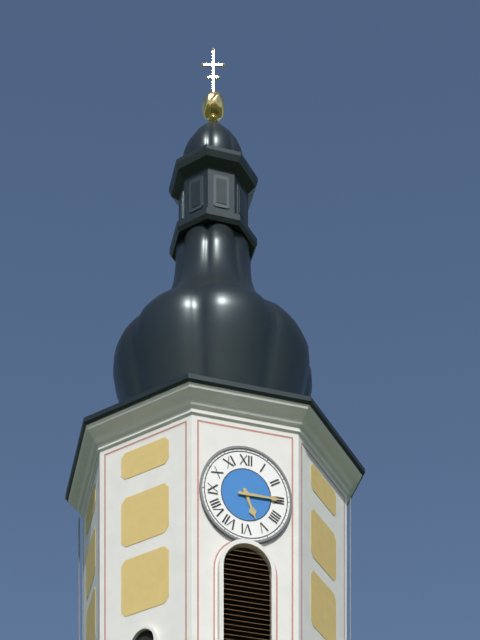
h=5 m=15
